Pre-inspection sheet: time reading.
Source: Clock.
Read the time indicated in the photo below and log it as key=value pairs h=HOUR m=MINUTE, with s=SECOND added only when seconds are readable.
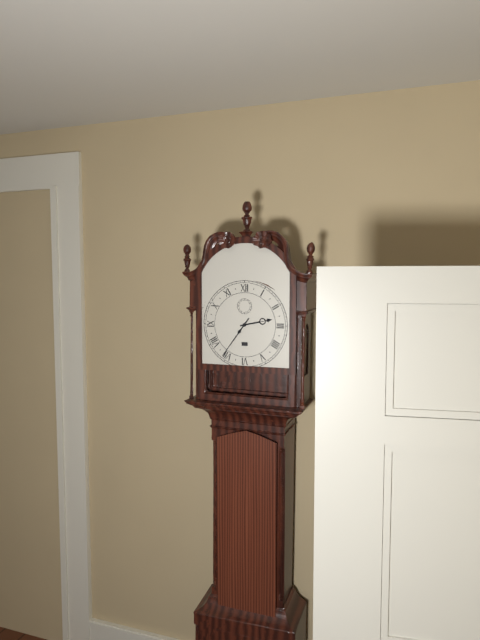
h=2 m=36
